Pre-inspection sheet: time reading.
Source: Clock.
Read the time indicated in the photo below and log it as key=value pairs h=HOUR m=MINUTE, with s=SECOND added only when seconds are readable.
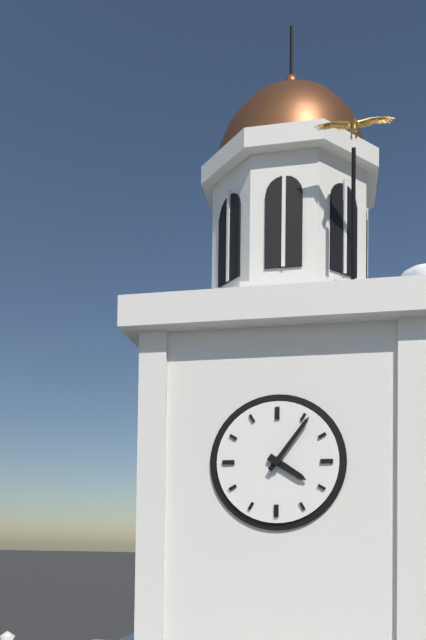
h=4 m=6
